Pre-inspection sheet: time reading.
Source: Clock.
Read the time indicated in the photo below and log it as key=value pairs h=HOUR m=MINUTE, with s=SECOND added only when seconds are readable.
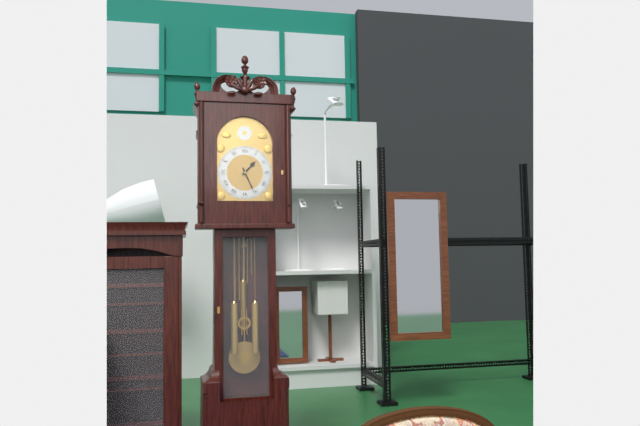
h=1 m=26
